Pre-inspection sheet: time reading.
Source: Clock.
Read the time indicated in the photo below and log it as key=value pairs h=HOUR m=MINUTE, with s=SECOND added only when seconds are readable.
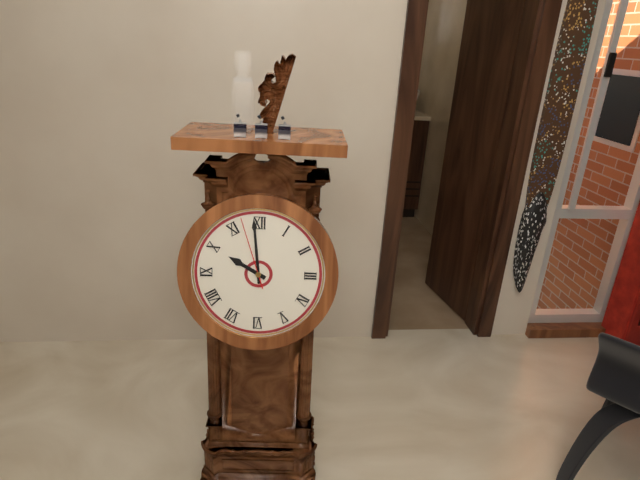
h=9 m=59 s=57
